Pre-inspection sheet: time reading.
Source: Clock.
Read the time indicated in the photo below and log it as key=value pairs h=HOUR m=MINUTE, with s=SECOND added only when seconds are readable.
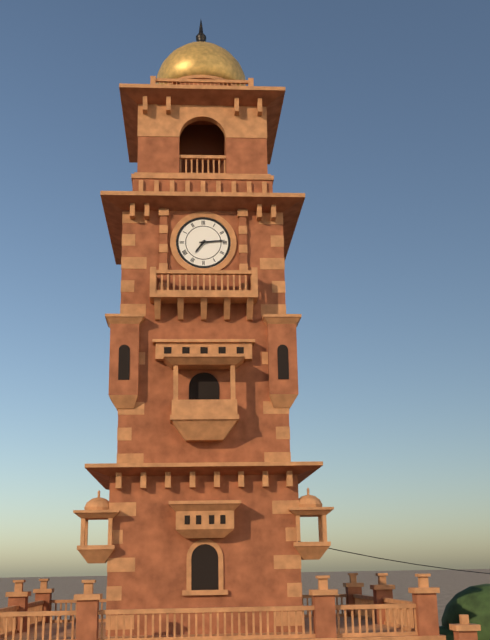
h=7 m=14
